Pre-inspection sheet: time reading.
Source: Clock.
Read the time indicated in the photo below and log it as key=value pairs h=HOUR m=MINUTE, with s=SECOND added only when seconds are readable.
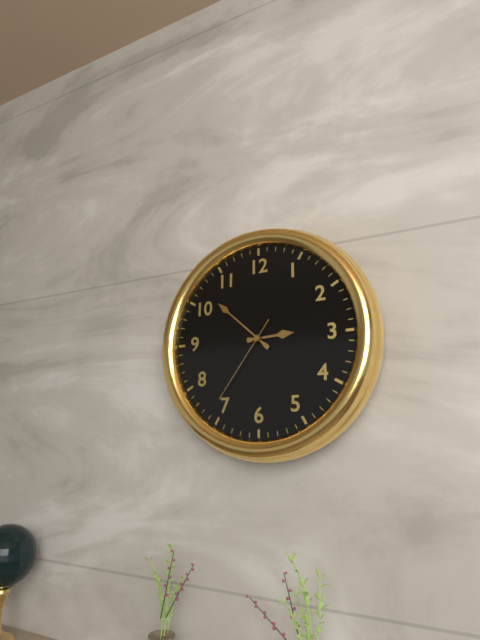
h=2 m=52 s=36
